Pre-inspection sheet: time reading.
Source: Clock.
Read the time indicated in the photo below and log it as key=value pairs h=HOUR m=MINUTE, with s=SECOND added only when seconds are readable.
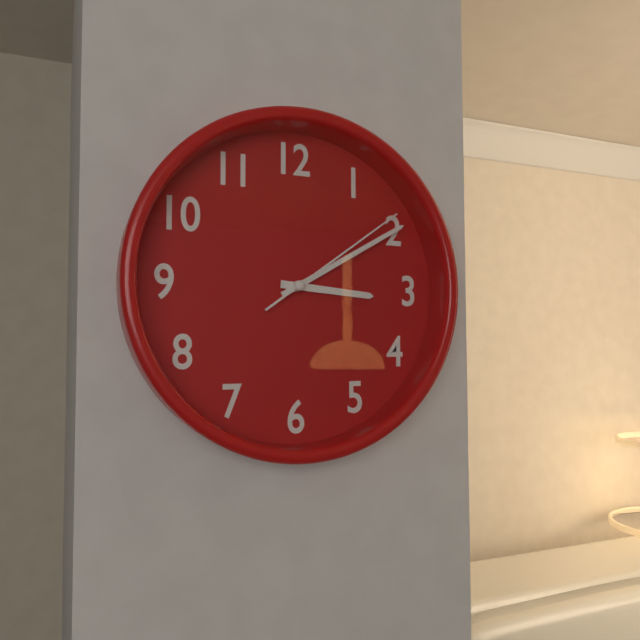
h=3 m=10 s=9
